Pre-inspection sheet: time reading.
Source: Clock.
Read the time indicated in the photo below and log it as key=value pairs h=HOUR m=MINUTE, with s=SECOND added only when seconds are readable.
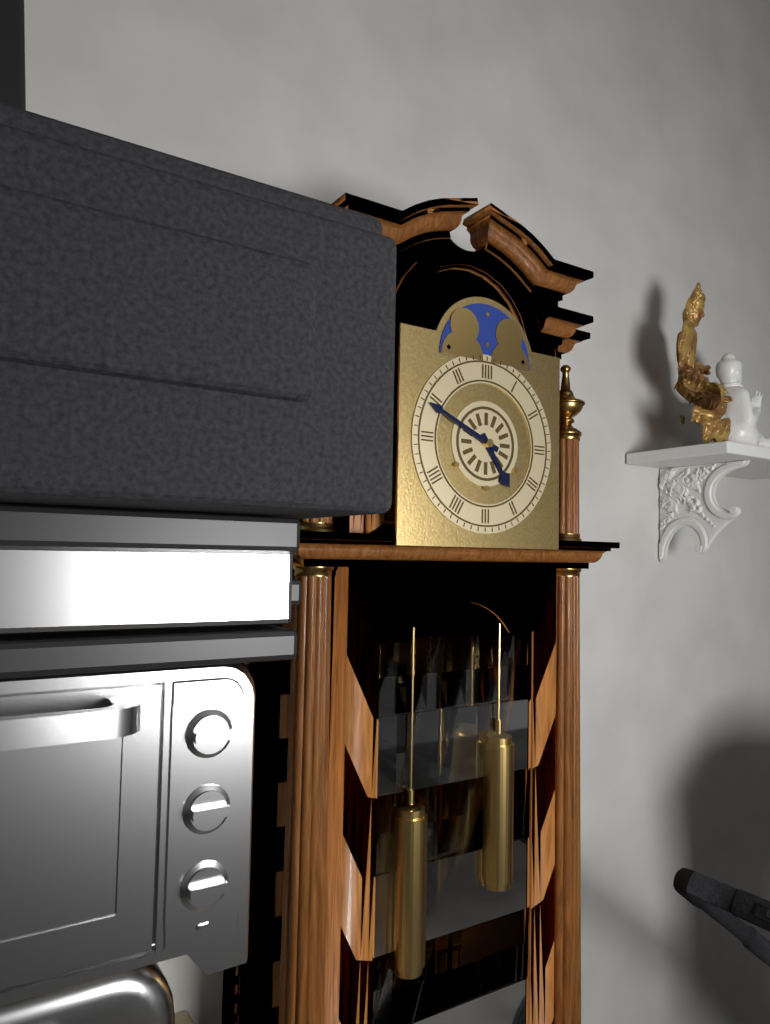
h=4 m=49
